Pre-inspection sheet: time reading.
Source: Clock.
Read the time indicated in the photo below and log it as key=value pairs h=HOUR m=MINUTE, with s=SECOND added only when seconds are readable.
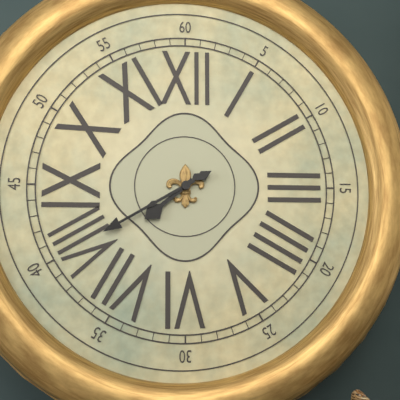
h=7 m=40
